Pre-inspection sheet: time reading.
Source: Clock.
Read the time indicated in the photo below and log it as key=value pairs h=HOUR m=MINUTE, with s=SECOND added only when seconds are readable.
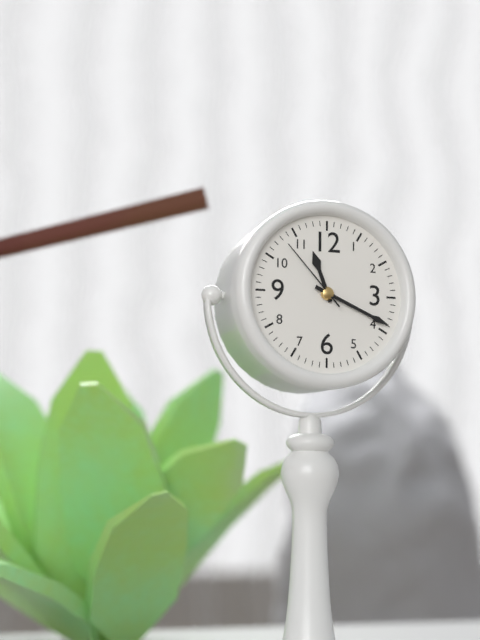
h=11 m=19 s=53
